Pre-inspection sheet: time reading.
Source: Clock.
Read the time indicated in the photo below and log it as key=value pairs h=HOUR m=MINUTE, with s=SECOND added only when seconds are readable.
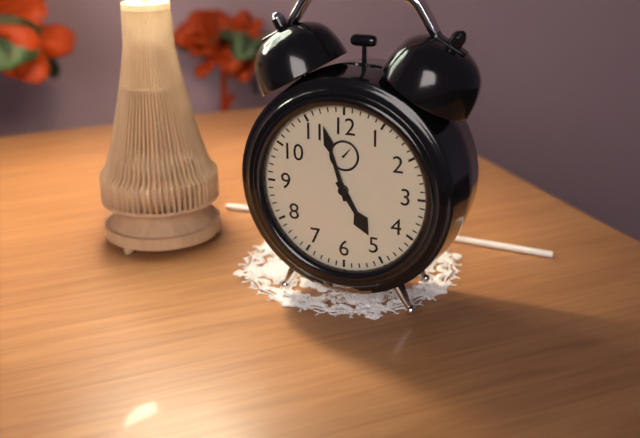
h=4 m=57
